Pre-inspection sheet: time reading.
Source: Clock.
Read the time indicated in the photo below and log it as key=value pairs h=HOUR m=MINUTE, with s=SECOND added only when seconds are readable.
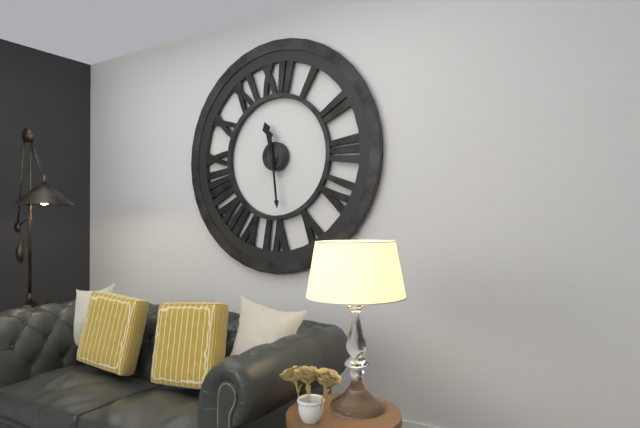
h=11 m=29
